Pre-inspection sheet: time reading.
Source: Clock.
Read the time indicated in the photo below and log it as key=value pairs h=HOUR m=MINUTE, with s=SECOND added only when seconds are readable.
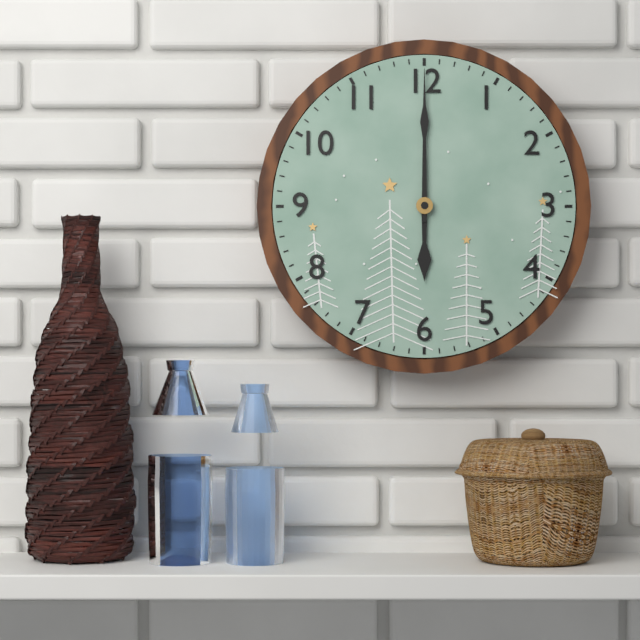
h=6 m=0
